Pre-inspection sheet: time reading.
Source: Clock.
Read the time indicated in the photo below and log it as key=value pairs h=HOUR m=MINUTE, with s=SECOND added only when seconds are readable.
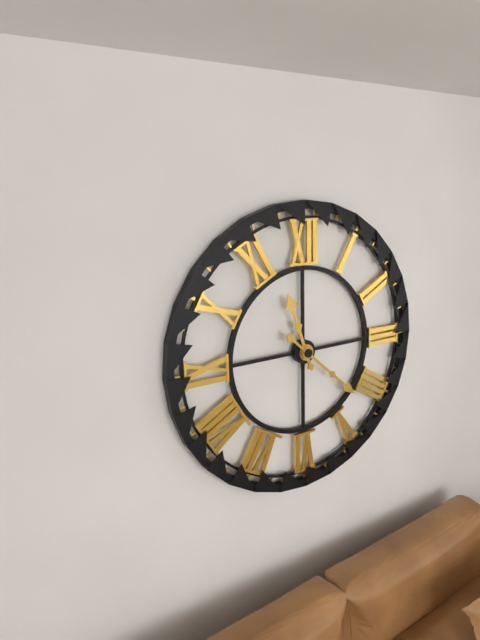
h=11 m=22
